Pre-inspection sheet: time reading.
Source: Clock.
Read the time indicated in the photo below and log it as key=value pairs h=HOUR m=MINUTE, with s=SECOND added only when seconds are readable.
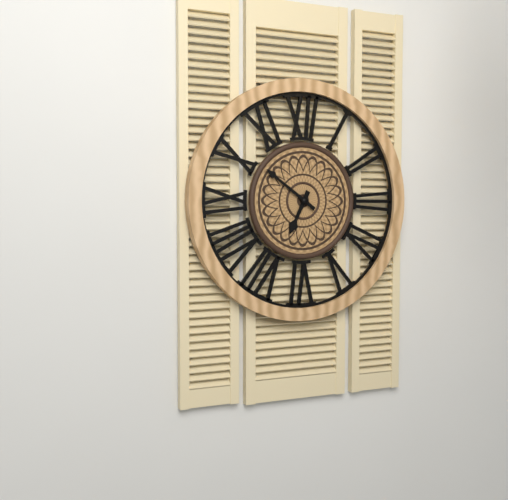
h=6 m=51
